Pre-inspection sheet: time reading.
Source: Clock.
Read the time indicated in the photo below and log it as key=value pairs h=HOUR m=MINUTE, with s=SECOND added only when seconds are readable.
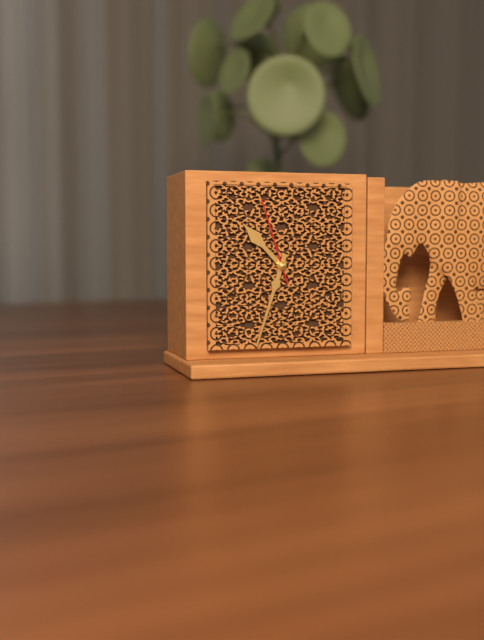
h=10 m=33 s=57
